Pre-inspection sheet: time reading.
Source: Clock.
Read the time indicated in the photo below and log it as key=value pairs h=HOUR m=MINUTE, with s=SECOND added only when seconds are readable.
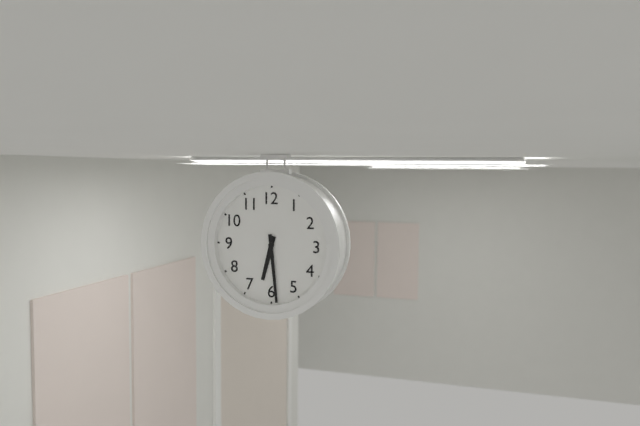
h=6 m=29
